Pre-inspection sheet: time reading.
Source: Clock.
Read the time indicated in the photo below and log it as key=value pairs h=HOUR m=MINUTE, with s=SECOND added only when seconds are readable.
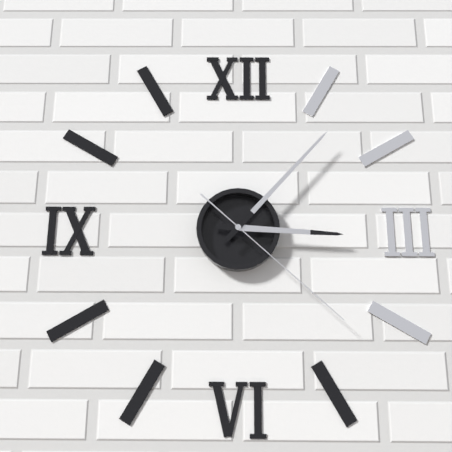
h=3 m=7 s=22
